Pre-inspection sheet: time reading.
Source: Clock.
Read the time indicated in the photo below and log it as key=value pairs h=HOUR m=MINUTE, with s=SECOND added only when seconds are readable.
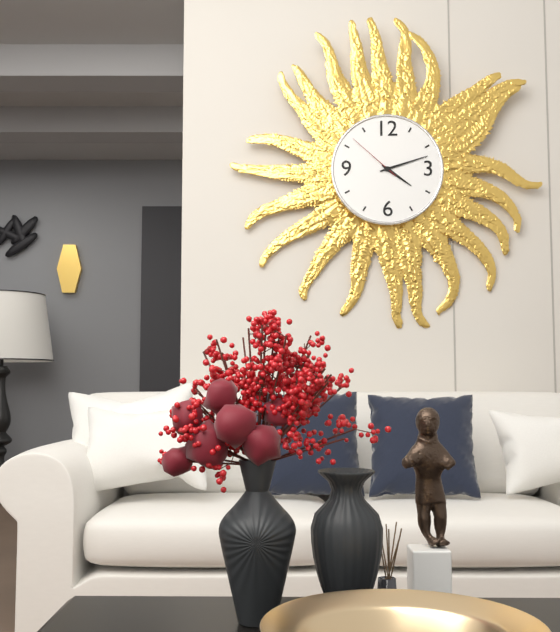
h=4 m=12 s=52
